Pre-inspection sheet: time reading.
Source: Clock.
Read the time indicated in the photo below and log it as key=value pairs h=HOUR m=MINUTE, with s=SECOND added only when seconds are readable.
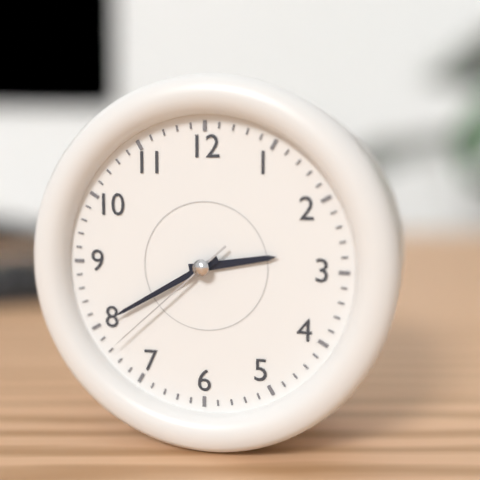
h=2 m=40 s=38
